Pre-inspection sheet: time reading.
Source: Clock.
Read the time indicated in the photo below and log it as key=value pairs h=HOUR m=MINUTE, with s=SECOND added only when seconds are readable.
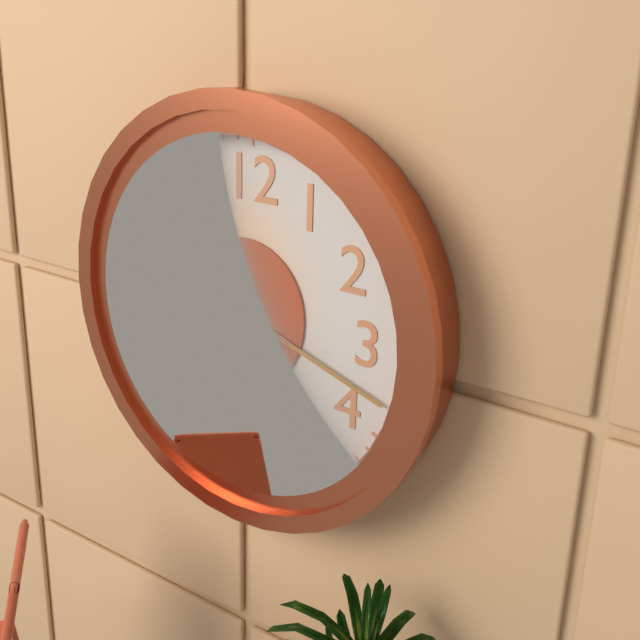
h=10 m=18 s=48
